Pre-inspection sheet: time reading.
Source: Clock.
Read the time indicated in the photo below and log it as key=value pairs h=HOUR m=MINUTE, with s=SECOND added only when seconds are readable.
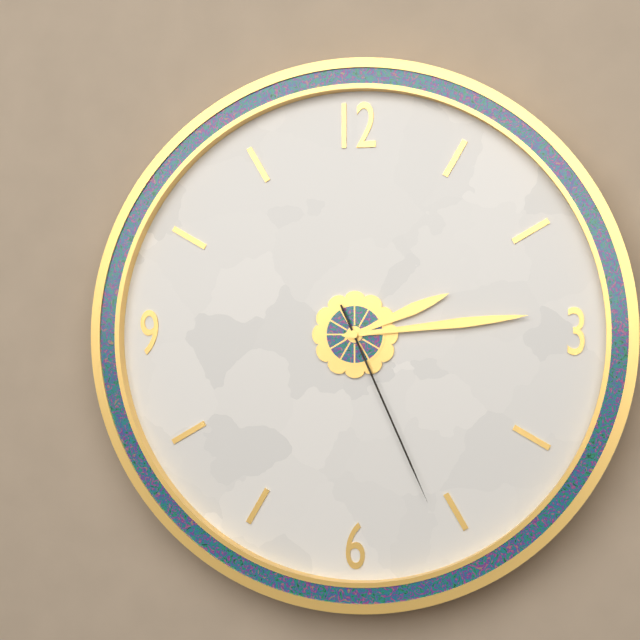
h=2 m=14 s=26
